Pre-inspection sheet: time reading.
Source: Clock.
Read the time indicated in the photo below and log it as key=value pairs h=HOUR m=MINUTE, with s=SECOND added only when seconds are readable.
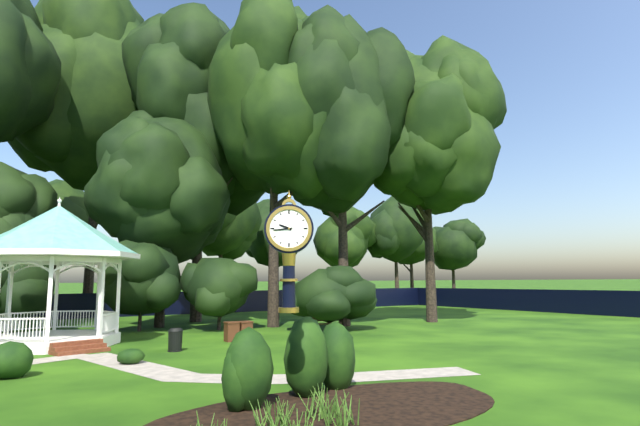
h=9 m=44
